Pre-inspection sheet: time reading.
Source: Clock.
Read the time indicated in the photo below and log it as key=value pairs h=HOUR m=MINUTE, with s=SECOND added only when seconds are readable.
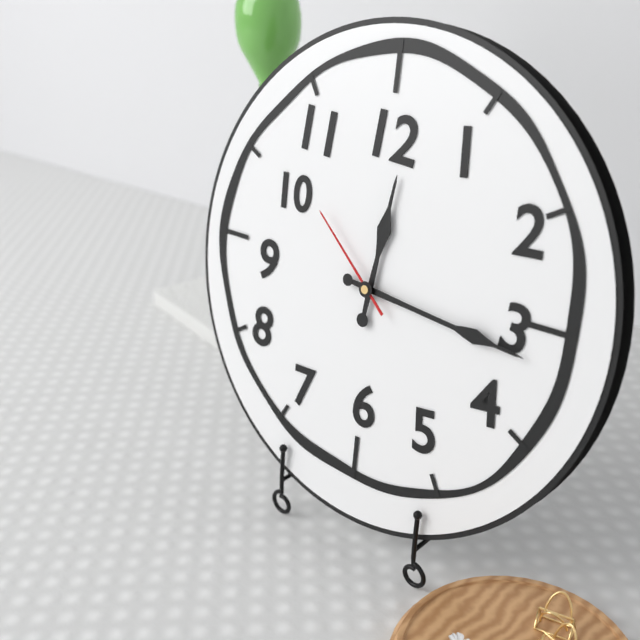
h=12 m=16 s=52
